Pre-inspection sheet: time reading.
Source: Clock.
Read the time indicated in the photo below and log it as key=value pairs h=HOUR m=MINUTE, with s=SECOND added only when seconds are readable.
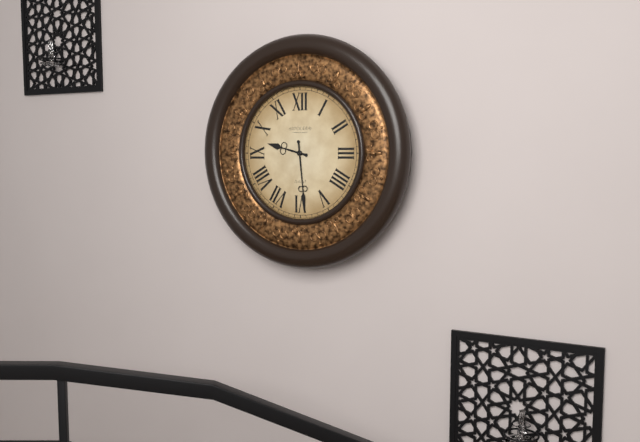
h=9 m=29
